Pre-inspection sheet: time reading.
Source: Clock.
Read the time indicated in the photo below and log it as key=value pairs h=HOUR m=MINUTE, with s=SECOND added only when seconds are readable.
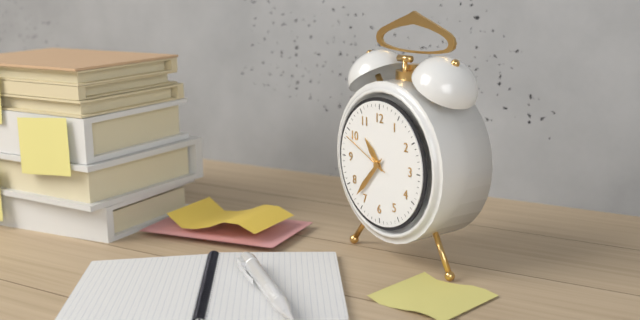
h=10 m=37 s=49
